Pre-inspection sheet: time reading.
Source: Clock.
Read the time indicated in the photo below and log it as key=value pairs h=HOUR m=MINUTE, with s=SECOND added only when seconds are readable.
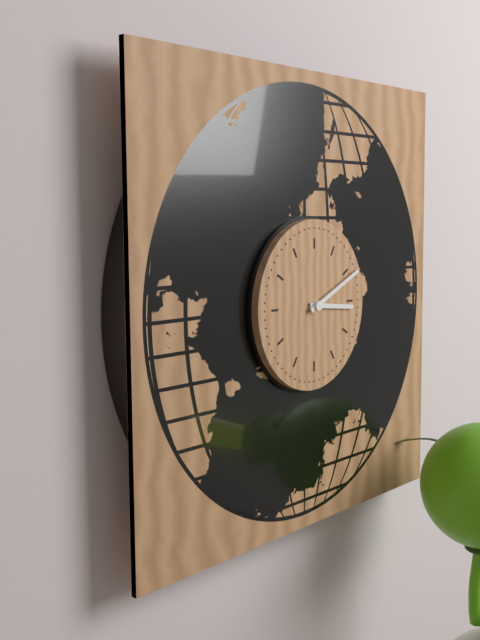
h=3 m=11
